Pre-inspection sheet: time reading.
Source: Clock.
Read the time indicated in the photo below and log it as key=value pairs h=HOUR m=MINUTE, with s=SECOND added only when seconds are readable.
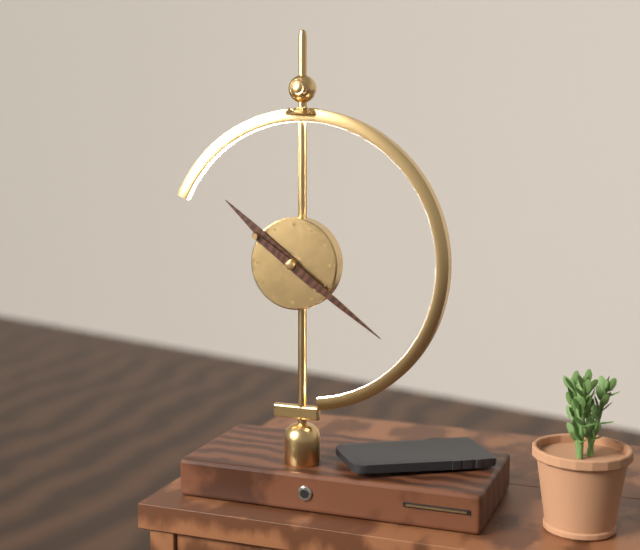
h=10 m=21
